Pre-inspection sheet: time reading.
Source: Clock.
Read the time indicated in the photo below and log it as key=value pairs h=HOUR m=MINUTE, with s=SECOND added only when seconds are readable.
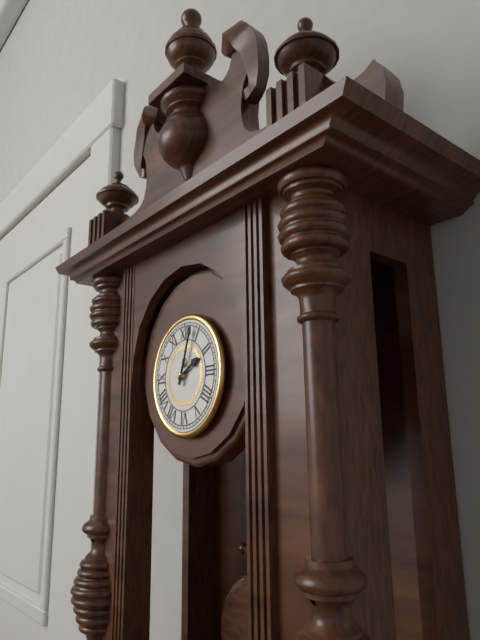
h=2 m=3
